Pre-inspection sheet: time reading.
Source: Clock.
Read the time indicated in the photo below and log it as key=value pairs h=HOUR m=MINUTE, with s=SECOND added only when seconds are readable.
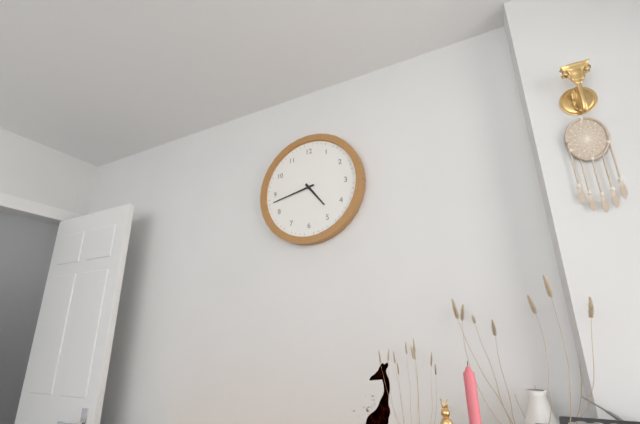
h=4 m=43
